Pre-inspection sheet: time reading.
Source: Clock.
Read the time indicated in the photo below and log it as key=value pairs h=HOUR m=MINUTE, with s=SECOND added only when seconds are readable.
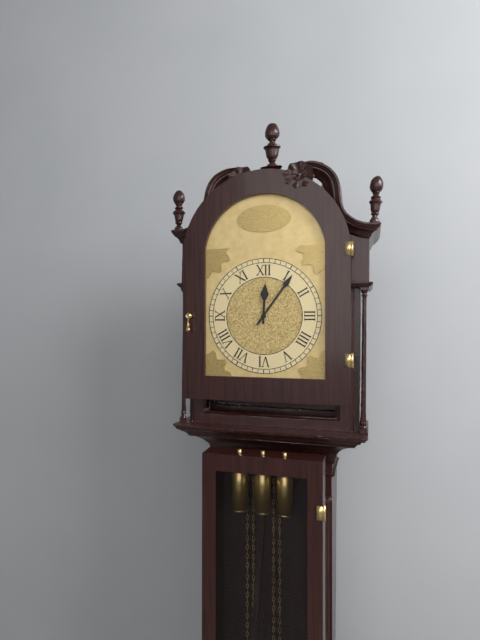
h=12 m=6
